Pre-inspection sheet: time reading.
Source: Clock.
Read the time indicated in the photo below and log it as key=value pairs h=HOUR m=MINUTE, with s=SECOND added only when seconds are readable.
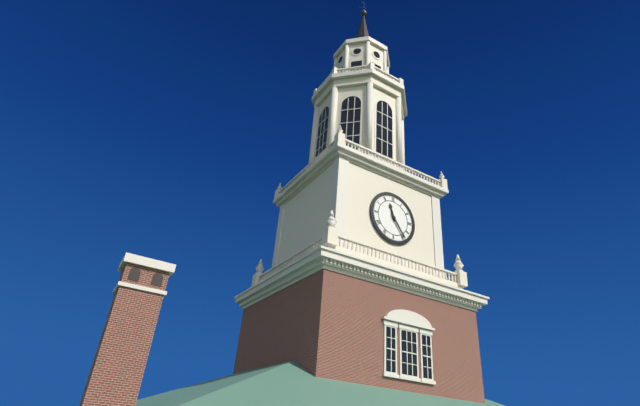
h=11 m=24
